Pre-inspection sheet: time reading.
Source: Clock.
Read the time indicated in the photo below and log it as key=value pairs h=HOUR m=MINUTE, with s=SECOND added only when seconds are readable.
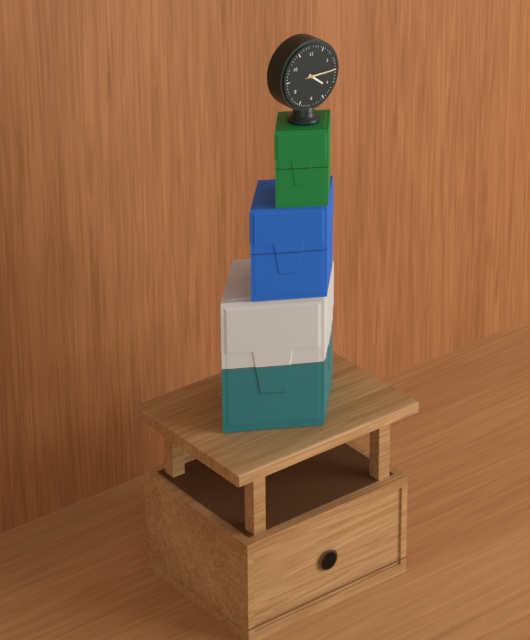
h=4 m=15
